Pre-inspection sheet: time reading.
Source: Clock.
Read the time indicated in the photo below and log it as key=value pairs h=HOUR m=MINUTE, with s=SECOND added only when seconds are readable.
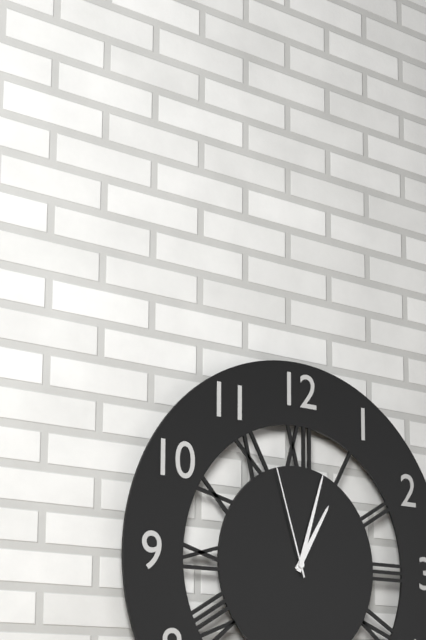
h=1 m=3 s=57
